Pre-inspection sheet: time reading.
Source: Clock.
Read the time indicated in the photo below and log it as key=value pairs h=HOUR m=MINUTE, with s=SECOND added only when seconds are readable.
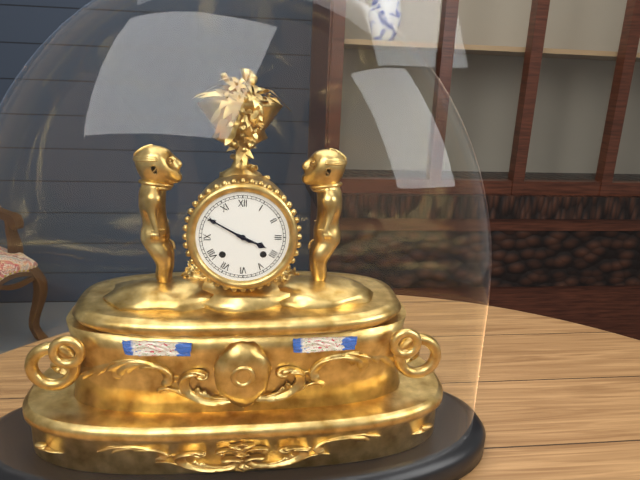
h=3 m=50
